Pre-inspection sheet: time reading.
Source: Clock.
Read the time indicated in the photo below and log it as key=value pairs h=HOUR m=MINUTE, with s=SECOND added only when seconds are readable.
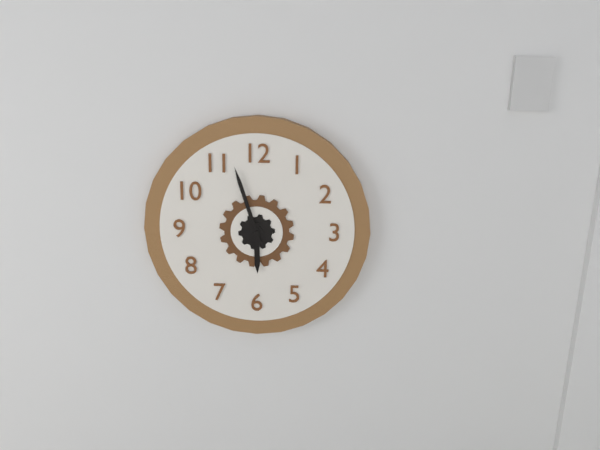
h=5 m=57
